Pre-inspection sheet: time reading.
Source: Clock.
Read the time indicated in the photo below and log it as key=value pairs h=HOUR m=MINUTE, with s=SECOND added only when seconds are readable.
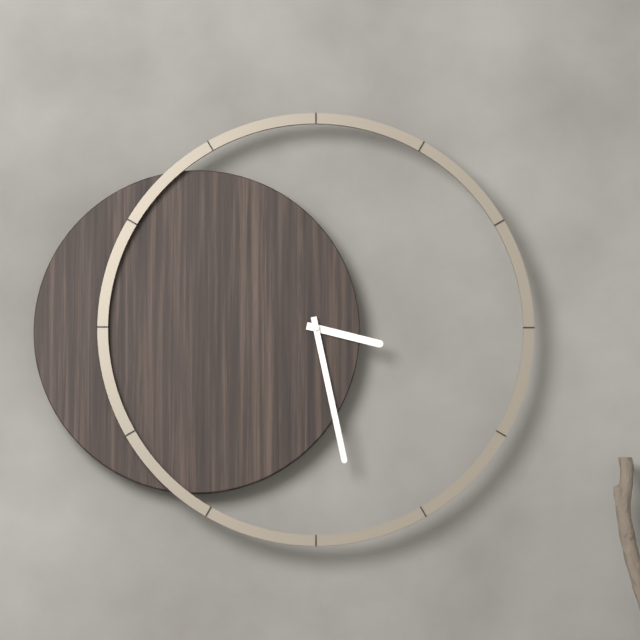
h=3 m=28
